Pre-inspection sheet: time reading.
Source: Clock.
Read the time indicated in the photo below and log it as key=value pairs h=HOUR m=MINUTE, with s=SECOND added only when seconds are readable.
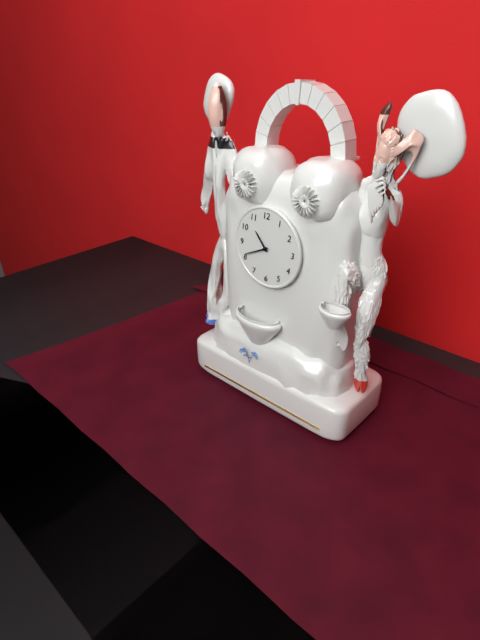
h=10 m=41
